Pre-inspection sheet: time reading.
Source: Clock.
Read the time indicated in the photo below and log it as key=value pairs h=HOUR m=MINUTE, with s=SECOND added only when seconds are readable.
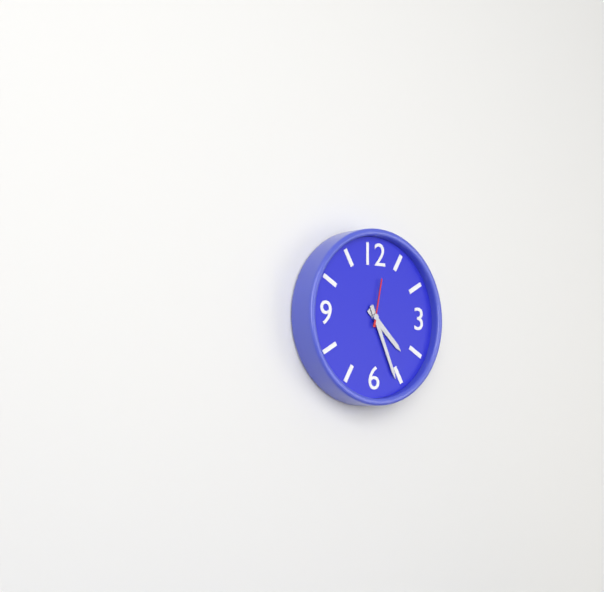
h=4 m=26
